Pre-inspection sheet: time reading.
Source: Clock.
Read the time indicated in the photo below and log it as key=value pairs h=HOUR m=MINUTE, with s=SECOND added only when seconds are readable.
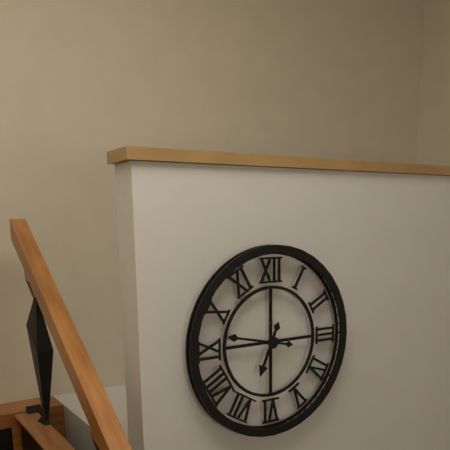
h=6 m=47
